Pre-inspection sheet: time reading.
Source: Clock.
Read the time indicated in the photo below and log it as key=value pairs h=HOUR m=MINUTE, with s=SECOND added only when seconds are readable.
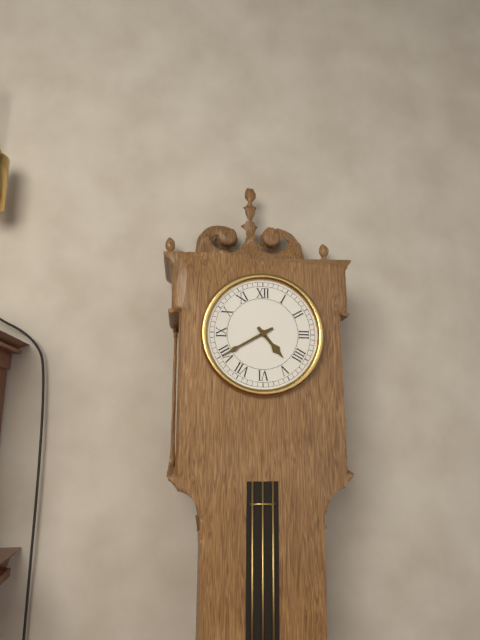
h=4 m=40
